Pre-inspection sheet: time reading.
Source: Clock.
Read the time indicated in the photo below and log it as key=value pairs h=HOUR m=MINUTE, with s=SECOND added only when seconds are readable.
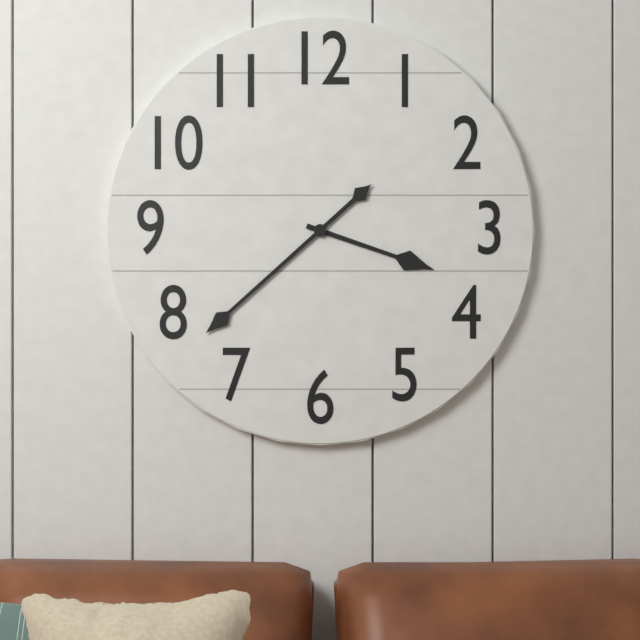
h=3 m=38
